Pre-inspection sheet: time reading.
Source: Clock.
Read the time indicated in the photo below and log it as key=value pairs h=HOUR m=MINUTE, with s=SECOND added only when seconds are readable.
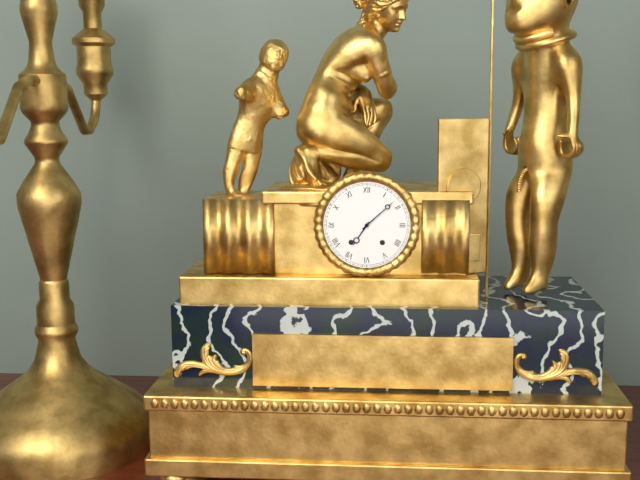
h=7 m=8
